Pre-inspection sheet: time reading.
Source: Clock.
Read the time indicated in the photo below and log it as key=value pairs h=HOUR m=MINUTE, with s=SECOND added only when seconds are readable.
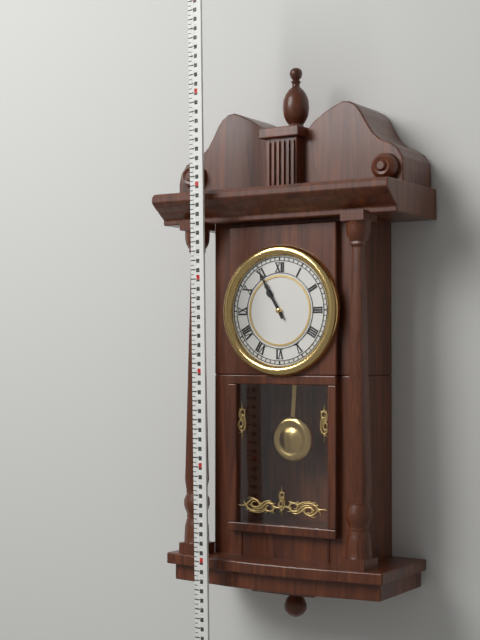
h=10 m=55
